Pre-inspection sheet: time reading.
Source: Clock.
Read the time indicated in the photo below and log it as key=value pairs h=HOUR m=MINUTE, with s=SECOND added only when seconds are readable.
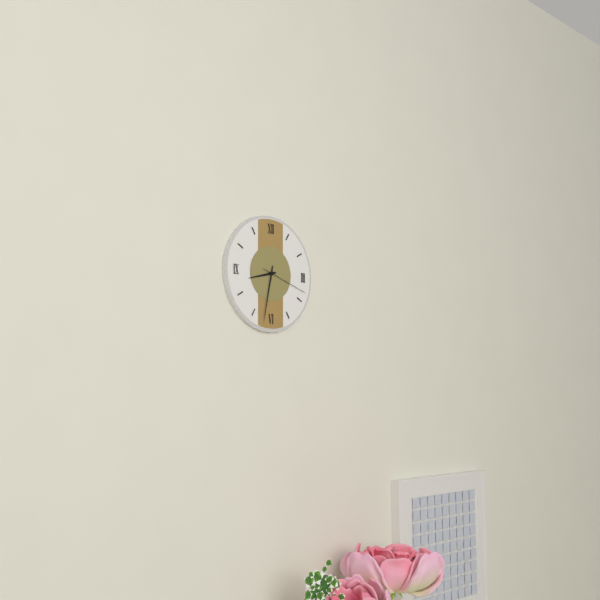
h=8 m=32 s=18
